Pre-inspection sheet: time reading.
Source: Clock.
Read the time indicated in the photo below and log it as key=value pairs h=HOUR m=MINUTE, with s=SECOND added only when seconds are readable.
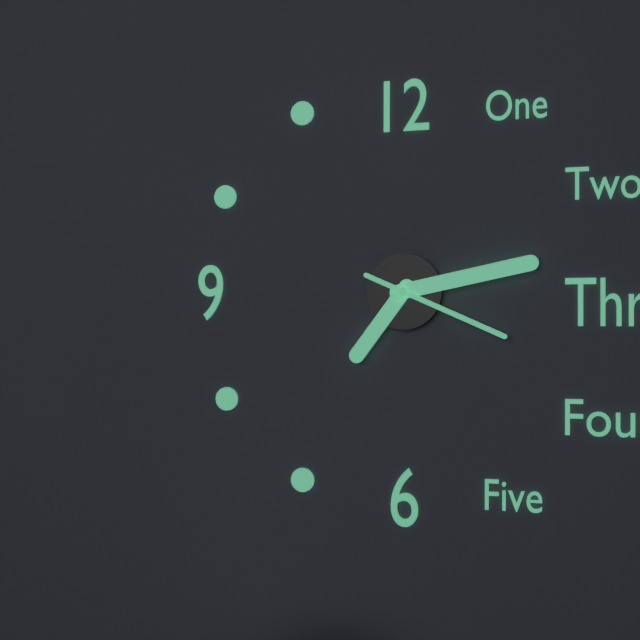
h=7 m=13 s=19
